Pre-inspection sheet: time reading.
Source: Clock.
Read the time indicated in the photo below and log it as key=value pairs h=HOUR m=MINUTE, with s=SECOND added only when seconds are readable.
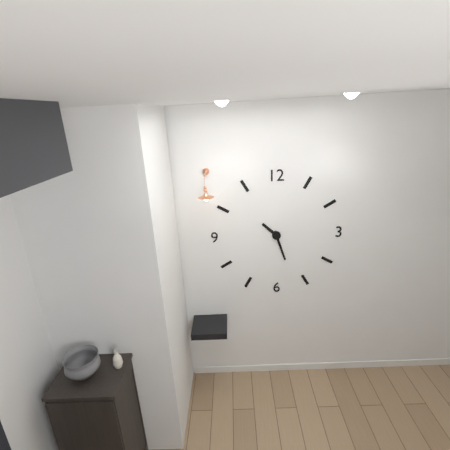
h=10 m=27
